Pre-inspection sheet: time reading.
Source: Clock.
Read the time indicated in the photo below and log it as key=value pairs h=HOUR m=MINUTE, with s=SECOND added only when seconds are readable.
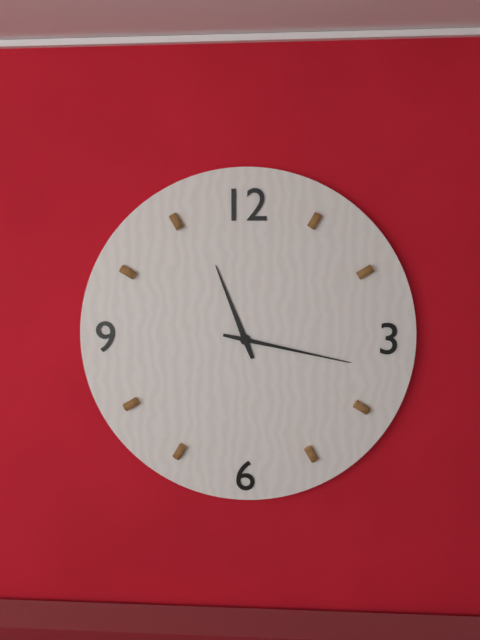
h=11 m=17
